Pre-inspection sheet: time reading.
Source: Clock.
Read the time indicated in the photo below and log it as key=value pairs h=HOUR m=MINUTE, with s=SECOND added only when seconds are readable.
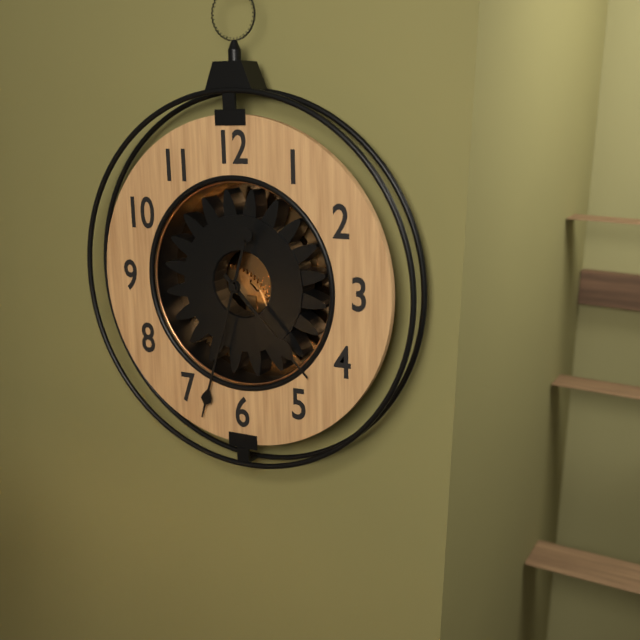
h=4 m=33
